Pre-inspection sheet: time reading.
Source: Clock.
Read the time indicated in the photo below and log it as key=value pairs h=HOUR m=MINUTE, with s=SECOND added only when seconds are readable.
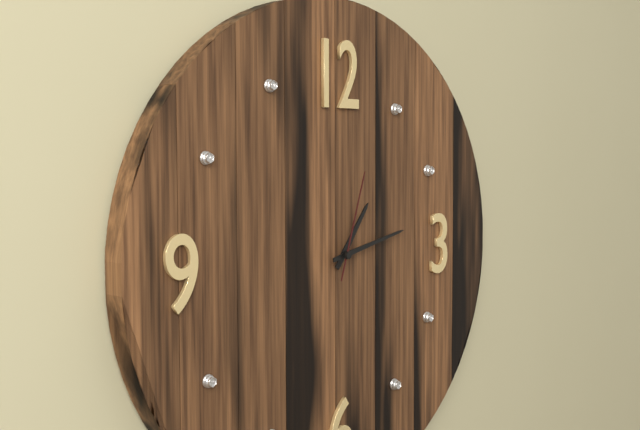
h=1 m=13 s=3
